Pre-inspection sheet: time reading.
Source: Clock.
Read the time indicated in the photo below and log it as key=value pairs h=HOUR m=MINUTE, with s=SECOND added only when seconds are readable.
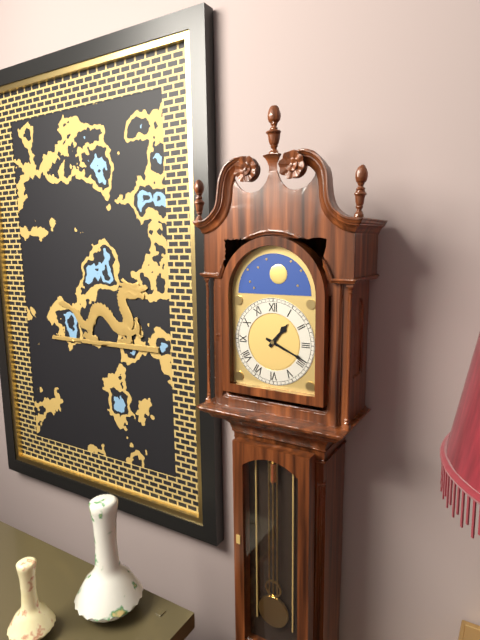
h=1 m=19
